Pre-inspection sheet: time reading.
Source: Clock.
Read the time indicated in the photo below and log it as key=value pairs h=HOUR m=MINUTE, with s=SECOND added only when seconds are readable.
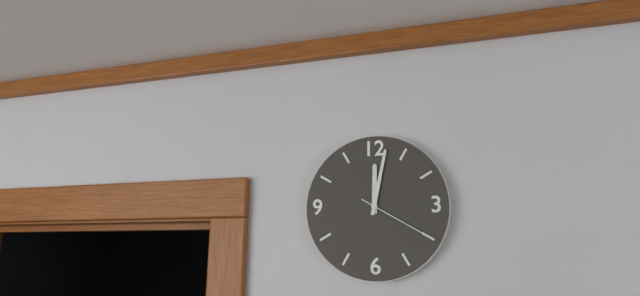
h=12 m=2 s=20
